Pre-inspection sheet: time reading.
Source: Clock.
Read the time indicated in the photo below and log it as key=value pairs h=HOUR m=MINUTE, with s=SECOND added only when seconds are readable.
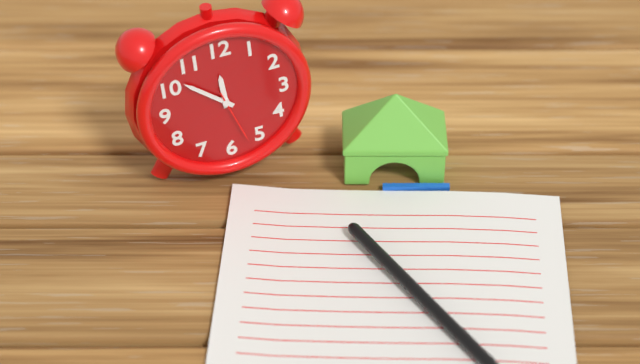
h=11 m=52 s=27
